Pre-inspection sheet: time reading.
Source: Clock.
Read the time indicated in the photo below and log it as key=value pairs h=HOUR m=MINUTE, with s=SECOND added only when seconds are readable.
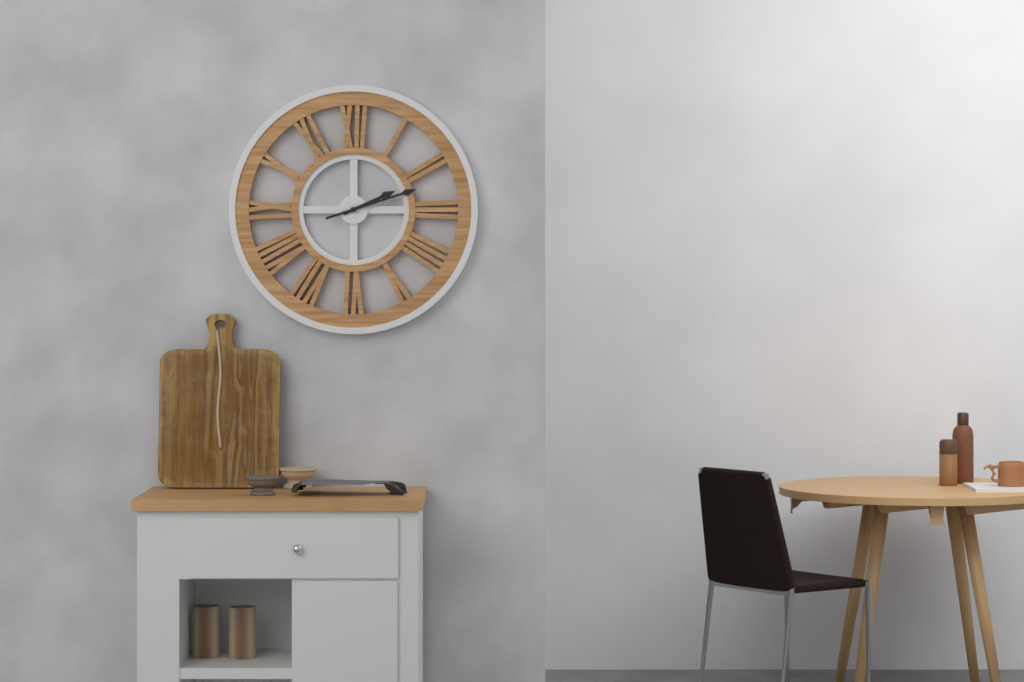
h=2 m=12
